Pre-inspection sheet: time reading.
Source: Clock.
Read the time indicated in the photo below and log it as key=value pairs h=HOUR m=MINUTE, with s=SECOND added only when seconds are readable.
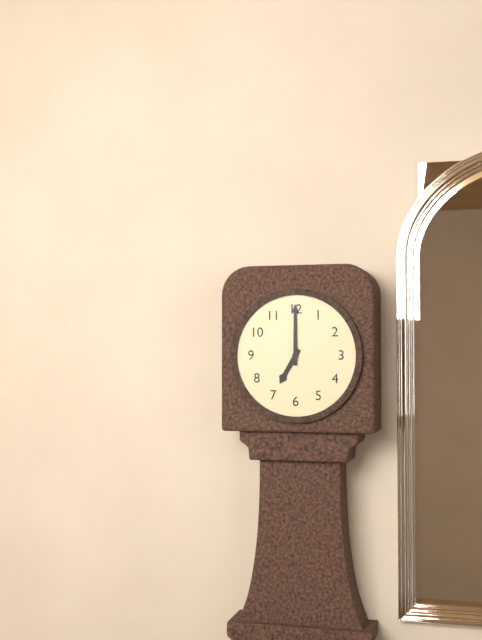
h=7 m=0
